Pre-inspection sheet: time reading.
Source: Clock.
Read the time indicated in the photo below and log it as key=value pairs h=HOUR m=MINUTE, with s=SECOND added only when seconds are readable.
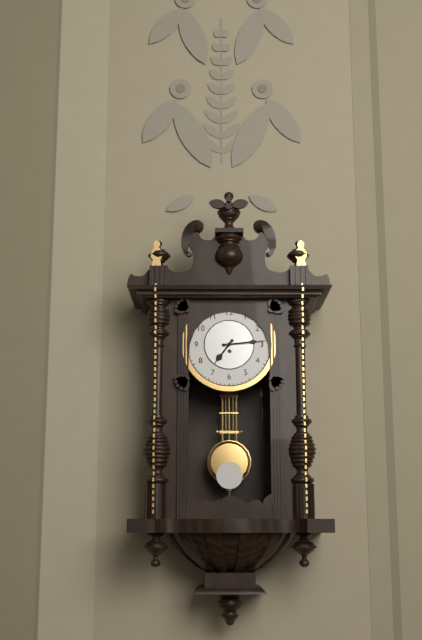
h=7 m=14
